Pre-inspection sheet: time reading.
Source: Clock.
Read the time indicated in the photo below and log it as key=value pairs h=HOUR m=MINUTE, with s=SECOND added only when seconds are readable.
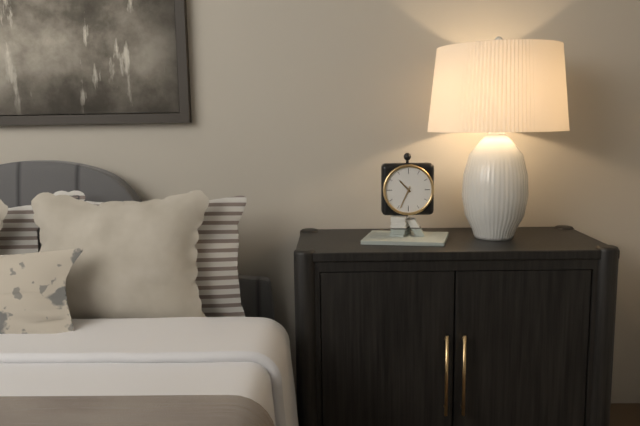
h=10 m=34
